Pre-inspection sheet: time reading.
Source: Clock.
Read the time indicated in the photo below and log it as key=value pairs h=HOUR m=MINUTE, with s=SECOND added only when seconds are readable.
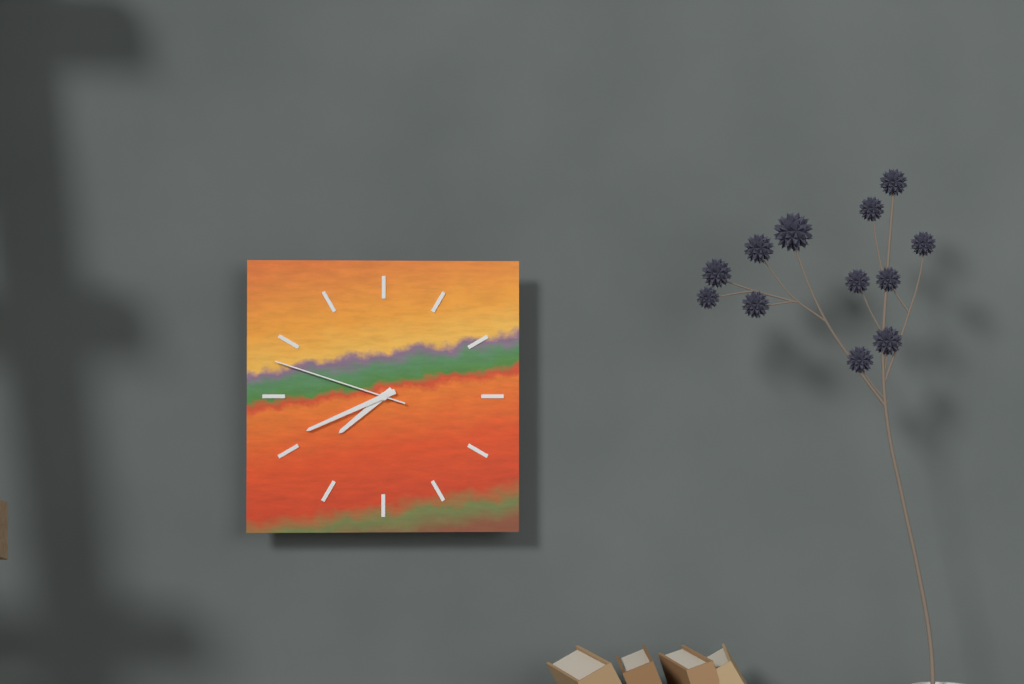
h=7 m=41 s=48
